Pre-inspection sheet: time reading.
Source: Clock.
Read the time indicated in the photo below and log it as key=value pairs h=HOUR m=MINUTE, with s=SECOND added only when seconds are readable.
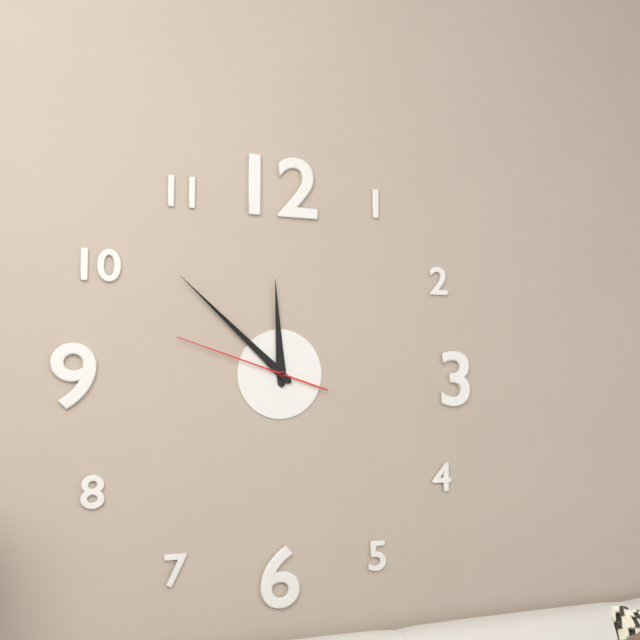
h=11 m=52 s=48
